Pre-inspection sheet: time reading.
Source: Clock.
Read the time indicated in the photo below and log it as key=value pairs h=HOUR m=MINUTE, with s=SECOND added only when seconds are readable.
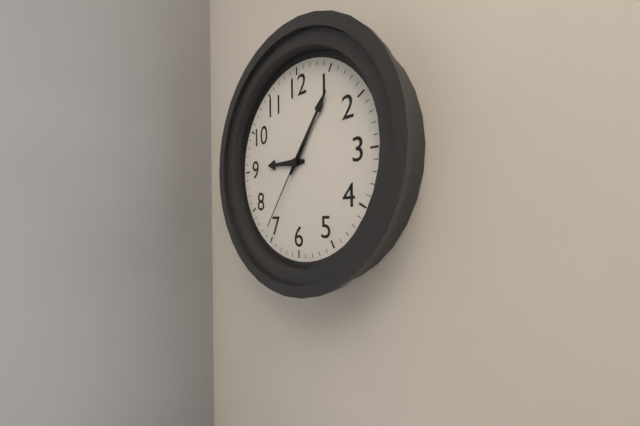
h=9 m=6 s=36
